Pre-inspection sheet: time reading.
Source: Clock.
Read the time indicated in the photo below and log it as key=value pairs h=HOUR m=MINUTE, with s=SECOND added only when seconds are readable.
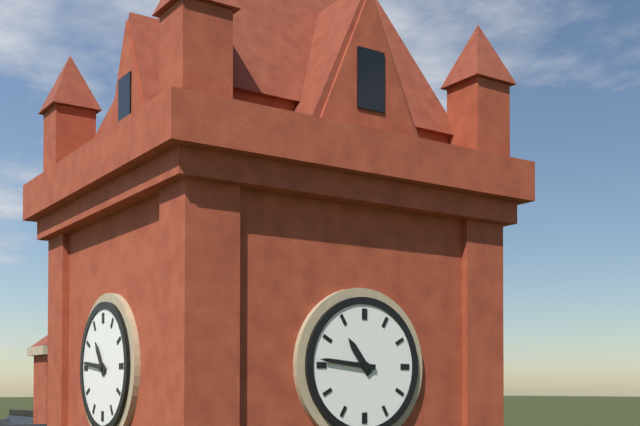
h=10 m=46
